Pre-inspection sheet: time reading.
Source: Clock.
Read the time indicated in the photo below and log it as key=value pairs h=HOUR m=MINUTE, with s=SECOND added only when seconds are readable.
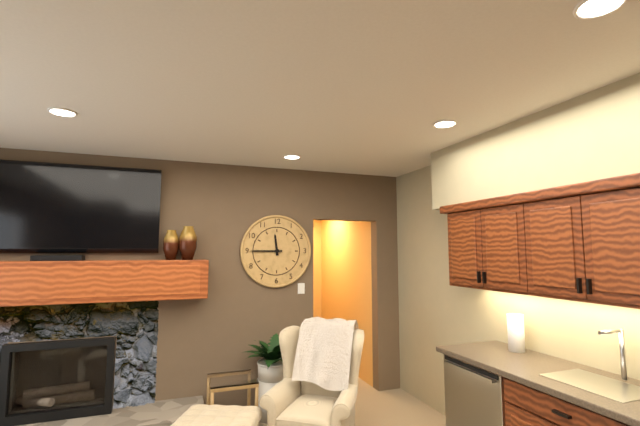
h=11 m=45
